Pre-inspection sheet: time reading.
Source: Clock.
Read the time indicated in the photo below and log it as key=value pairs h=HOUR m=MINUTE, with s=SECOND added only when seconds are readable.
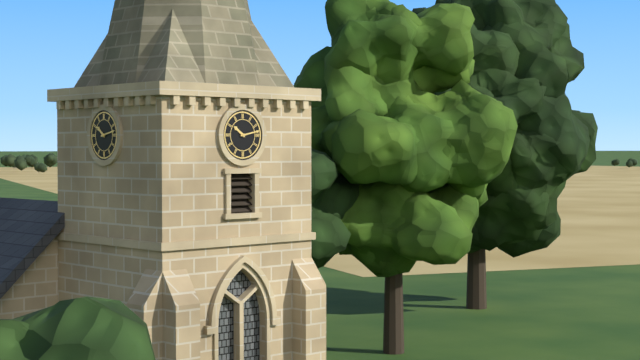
h=10 m=13
